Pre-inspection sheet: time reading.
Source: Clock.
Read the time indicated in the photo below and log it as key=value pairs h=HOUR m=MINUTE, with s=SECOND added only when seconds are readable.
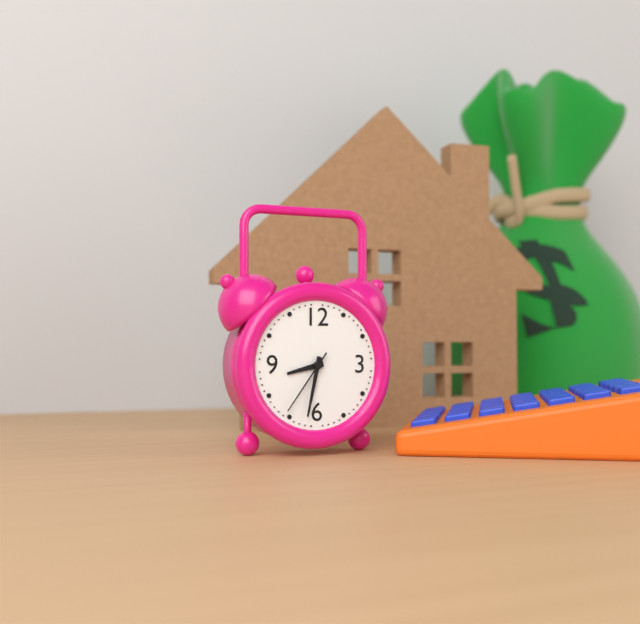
h=8 m=32 s=36
